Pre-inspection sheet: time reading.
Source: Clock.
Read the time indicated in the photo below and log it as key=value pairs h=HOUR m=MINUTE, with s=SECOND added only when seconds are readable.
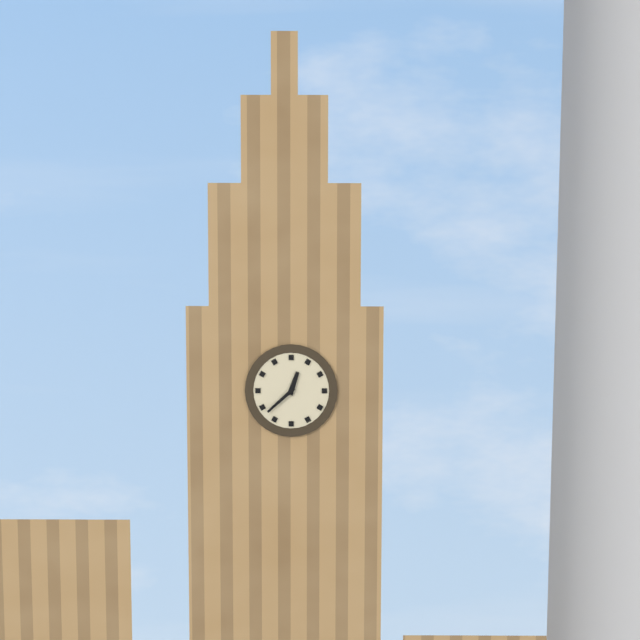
h=12 m=38
